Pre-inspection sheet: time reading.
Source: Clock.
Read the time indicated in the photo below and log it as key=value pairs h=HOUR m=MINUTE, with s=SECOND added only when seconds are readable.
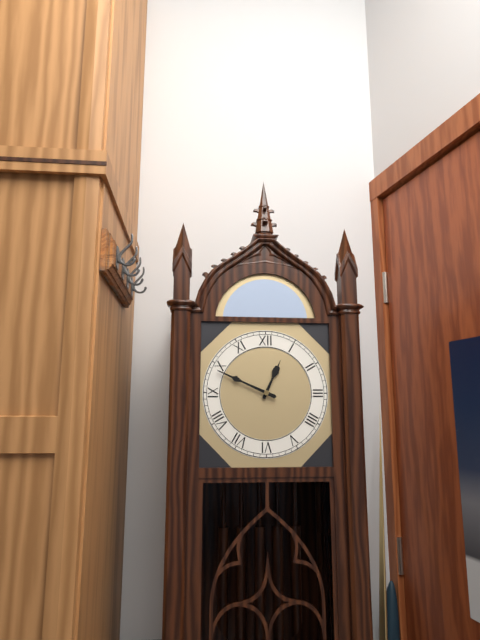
h=12 m=49
